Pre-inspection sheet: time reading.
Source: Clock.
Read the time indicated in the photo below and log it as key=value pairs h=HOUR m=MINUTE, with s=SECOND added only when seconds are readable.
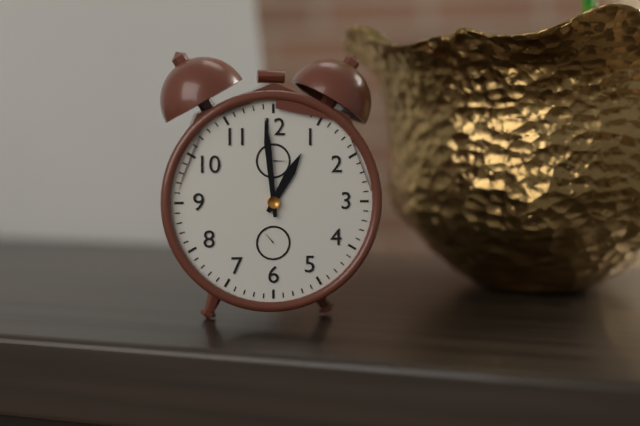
h=12 m=59
